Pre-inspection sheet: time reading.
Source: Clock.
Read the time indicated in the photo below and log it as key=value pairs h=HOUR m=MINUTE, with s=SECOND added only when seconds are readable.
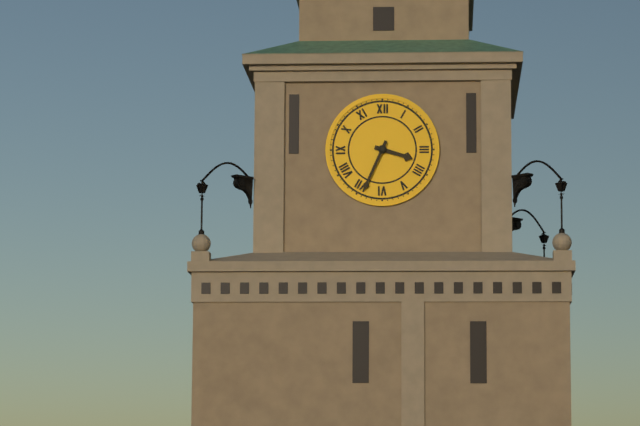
h=3 m=34
